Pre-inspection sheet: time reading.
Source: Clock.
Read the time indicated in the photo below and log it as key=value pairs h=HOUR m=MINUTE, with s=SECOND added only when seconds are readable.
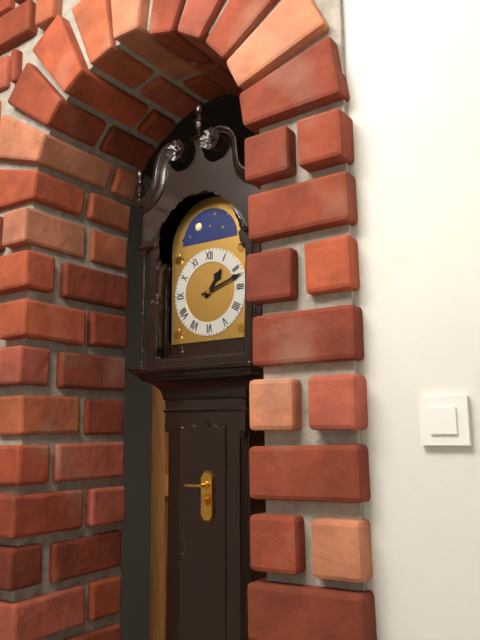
h=1 m=12
